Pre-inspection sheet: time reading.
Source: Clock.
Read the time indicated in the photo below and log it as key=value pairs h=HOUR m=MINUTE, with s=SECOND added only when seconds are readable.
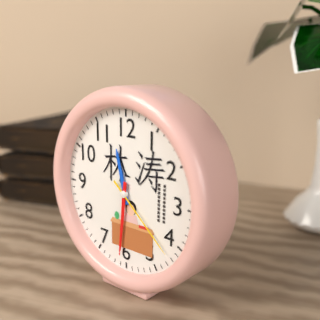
h=11 m=31 s=22
